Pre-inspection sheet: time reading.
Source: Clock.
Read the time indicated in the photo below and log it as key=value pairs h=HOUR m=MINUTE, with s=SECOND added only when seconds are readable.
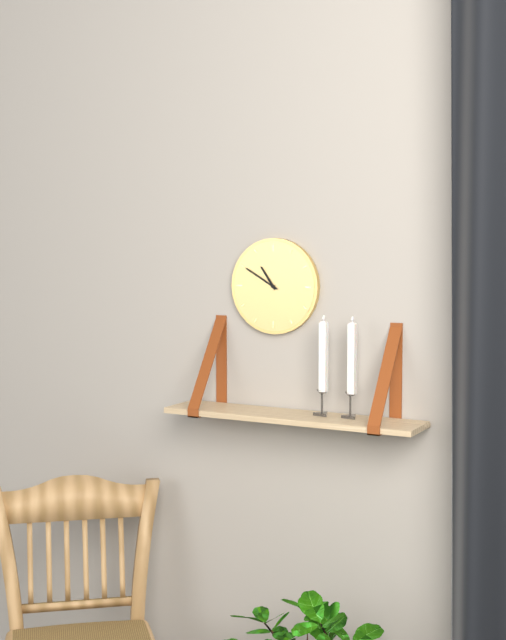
h=10 m=50
